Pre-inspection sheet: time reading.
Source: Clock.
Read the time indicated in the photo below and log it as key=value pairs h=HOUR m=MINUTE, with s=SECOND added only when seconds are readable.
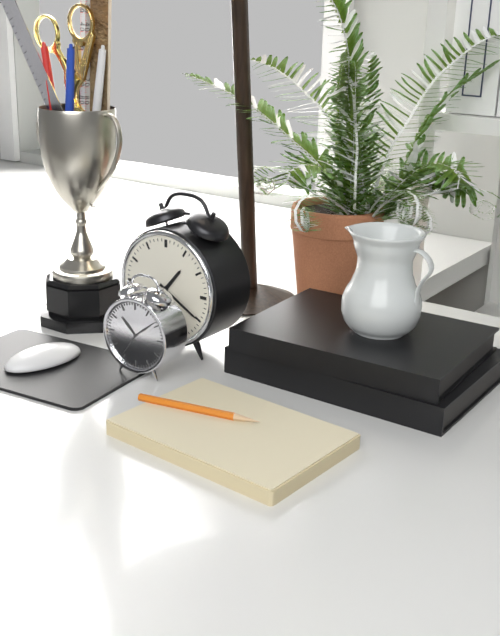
h=1 m=20
